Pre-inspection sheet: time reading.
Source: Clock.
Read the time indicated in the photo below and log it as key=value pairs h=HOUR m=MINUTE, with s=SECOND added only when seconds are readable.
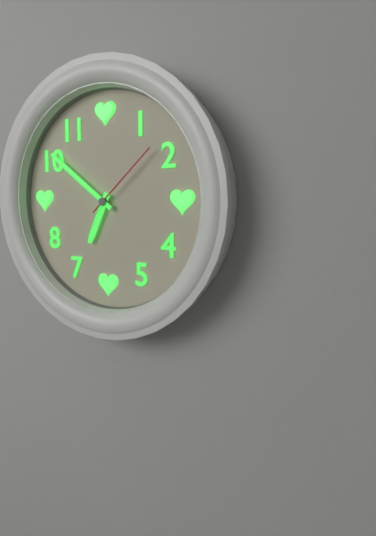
h=6 m=51 s=8
